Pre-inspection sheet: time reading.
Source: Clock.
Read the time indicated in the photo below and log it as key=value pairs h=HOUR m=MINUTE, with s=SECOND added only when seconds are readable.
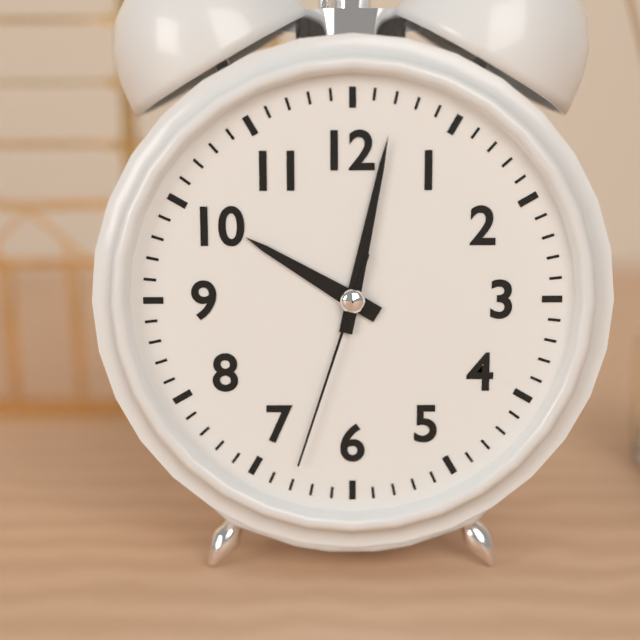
h=10 m=2 s=33
